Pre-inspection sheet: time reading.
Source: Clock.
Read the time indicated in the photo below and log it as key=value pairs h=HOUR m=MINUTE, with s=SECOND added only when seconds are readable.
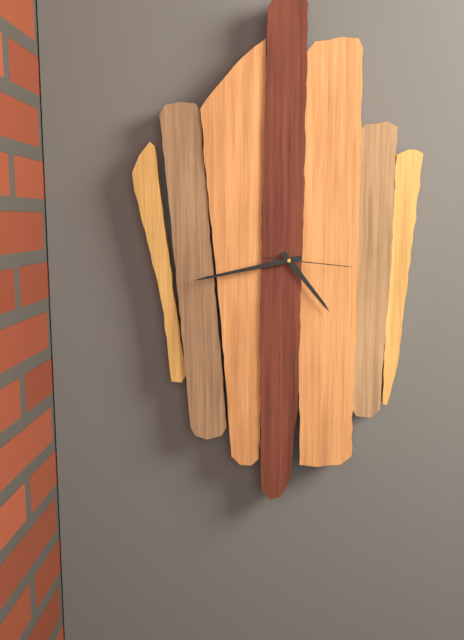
h=4 m=43 s=16
